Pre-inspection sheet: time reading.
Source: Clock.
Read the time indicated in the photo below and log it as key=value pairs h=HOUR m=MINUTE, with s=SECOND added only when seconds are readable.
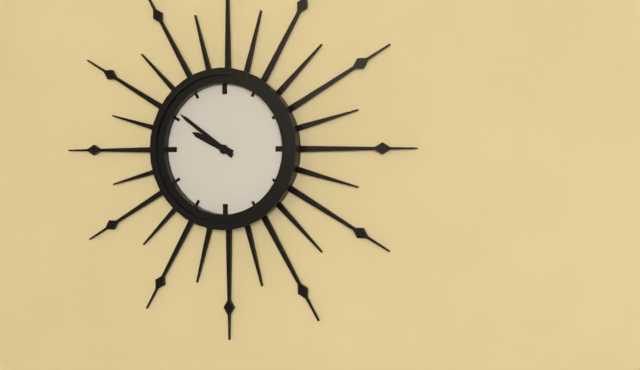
h=9 m=51
